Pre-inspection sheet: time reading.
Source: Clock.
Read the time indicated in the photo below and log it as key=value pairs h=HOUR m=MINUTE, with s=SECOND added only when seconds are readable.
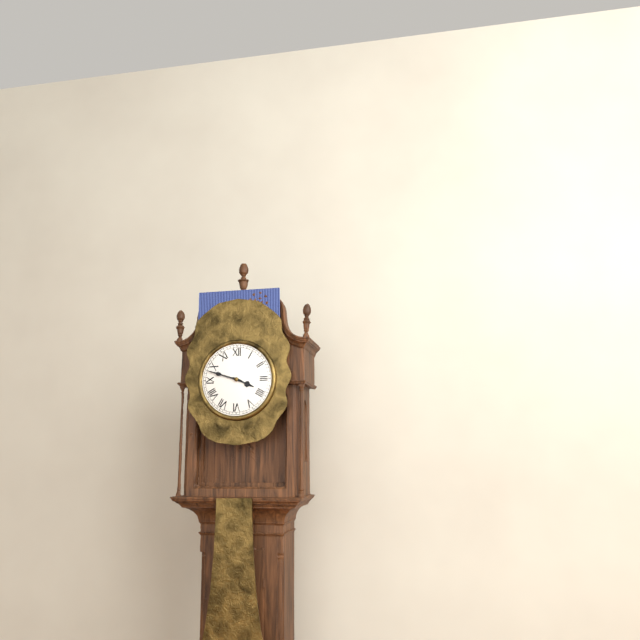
h=3 m=48
